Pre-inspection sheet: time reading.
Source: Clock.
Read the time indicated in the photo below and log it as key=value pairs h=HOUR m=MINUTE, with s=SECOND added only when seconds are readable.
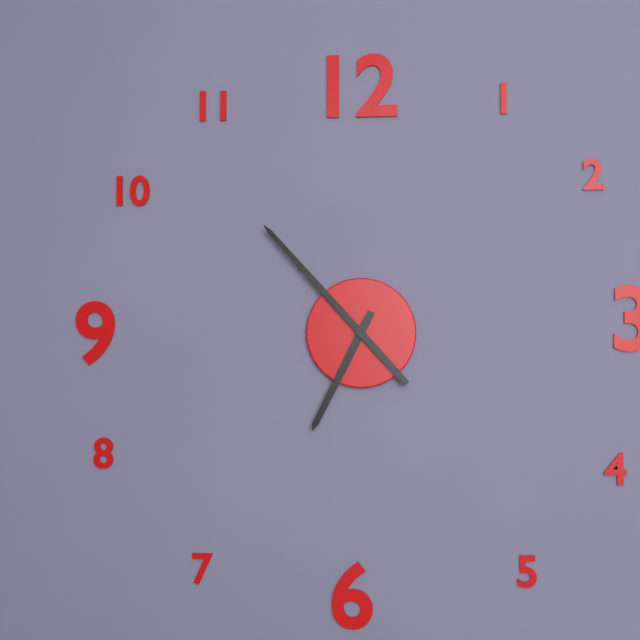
h=6 m=53
